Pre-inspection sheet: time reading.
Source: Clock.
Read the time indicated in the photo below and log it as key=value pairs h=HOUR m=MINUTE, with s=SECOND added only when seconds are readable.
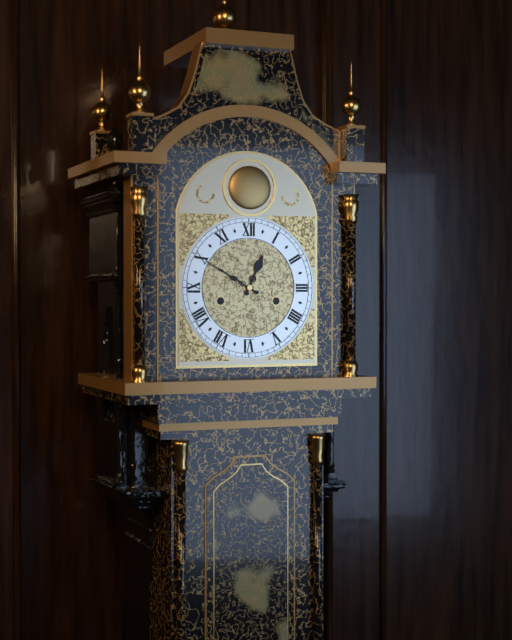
h=12 m=50
